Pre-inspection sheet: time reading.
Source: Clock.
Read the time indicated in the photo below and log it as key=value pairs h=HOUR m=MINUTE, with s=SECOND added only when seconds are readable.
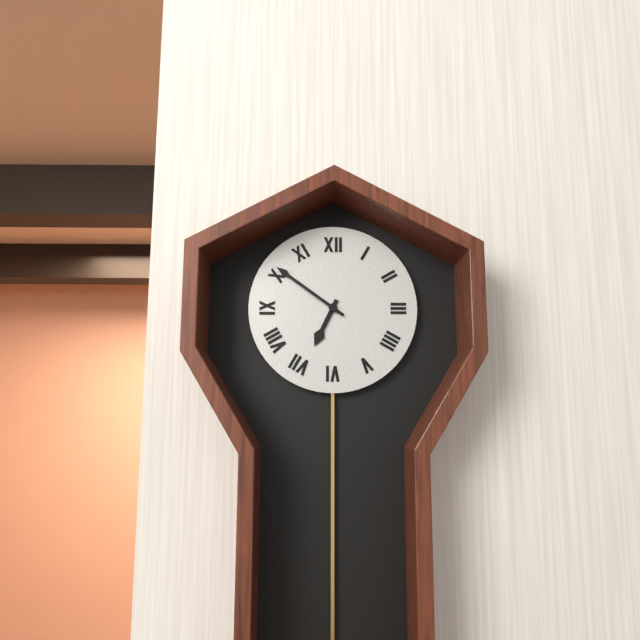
h=6 m=51
